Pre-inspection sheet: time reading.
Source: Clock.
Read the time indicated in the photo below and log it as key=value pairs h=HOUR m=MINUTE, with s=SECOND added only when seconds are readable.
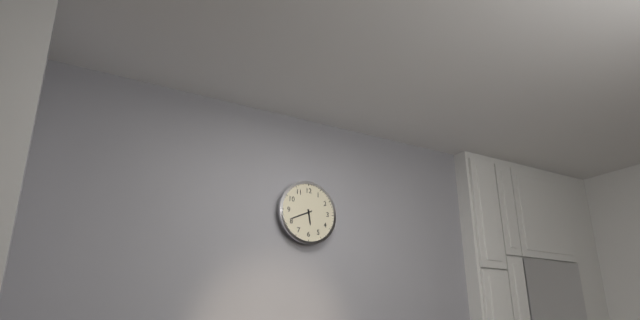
h=5 m=41
